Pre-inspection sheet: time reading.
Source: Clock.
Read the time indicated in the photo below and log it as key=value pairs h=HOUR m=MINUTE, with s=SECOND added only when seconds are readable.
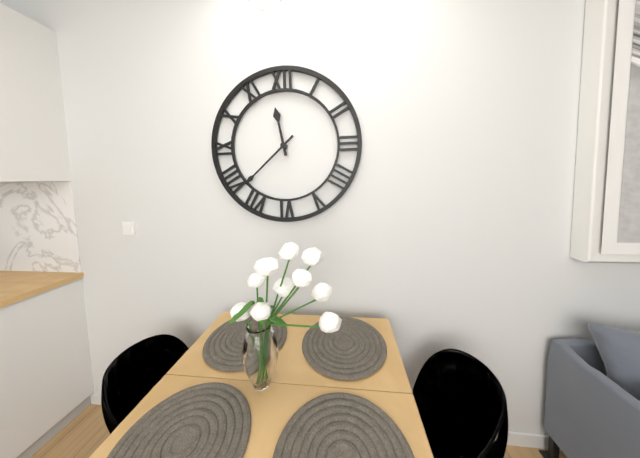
h=11 m=38
